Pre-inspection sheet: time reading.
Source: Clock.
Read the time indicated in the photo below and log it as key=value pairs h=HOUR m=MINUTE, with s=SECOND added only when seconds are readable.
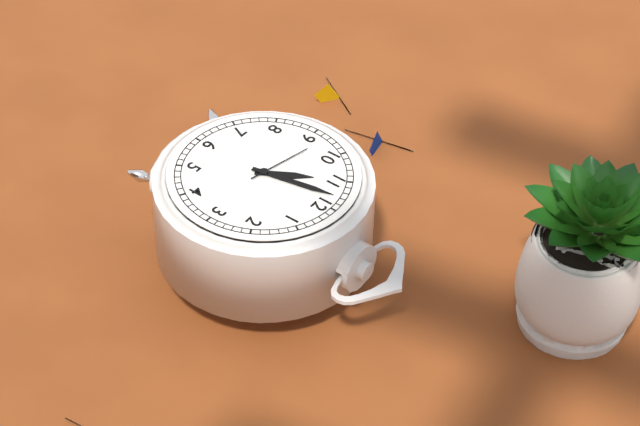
h=10 m=58 s=47
